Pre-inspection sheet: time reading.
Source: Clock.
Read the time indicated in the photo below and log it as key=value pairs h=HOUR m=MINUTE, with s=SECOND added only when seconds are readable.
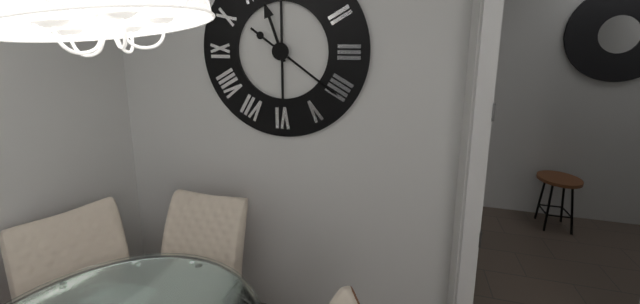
h=11 m=21
